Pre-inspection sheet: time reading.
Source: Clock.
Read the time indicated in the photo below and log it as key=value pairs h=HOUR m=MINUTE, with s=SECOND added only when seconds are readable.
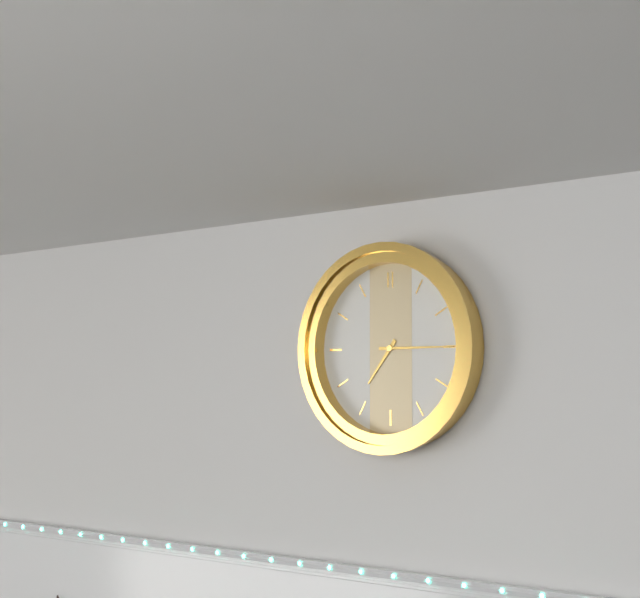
h=7 m=15
